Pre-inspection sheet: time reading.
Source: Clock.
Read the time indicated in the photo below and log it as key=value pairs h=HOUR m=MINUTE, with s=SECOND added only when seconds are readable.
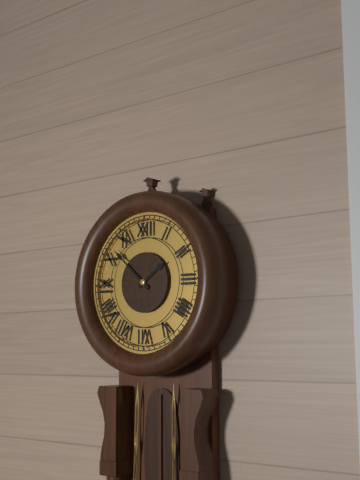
h=1 m=52
